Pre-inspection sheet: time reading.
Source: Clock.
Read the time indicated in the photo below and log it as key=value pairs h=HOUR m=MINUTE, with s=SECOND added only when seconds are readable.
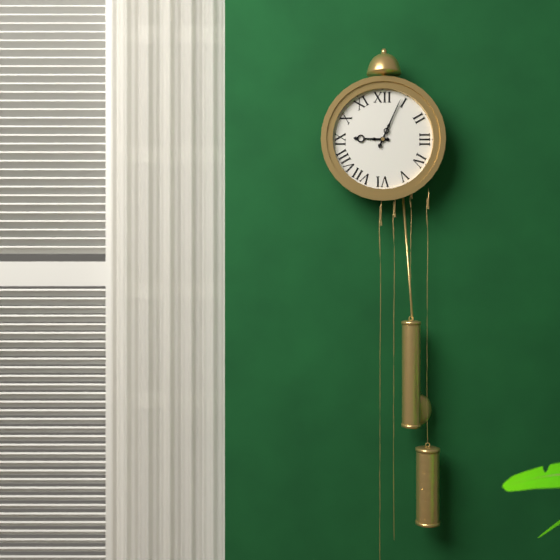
h=9 m=4
